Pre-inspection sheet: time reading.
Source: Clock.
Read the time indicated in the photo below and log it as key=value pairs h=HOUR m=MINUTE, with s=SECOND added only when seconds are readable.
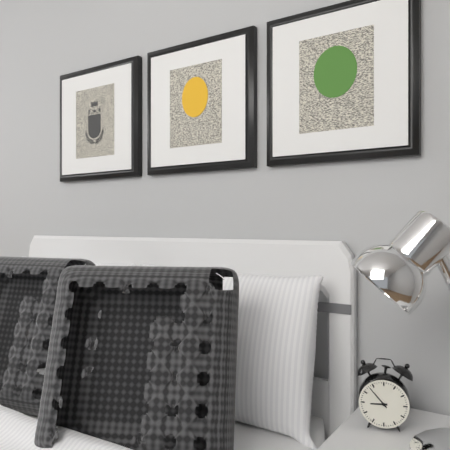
h=8 m=53
